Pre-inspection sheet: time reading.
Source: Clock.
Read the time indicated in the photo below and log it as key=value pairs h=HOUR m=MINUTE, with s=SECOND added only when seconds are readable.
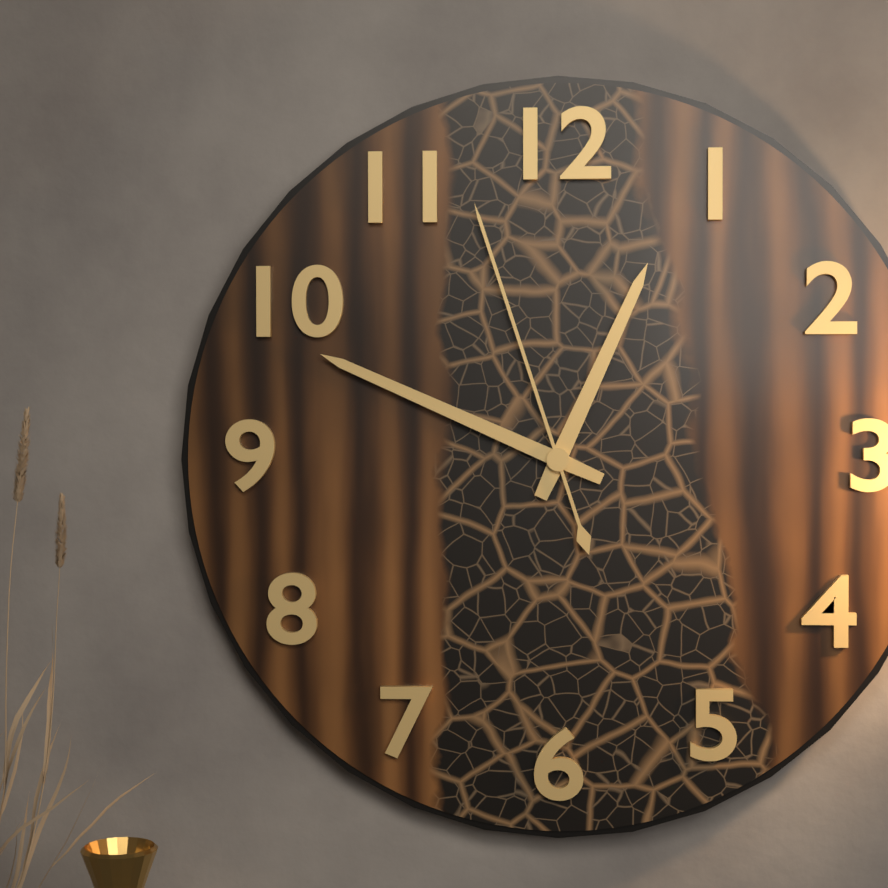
h=12 m=49 s=57
